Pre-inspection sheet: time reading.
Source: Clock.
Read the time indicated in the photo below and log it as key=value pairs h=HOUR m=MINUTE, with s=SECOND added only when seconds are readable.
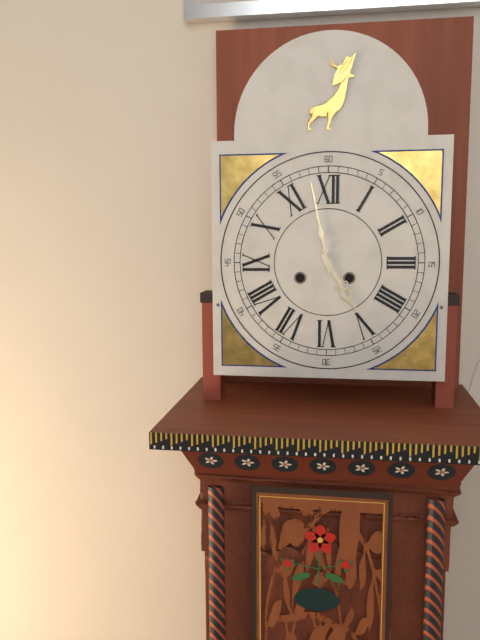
h=4 m=58
